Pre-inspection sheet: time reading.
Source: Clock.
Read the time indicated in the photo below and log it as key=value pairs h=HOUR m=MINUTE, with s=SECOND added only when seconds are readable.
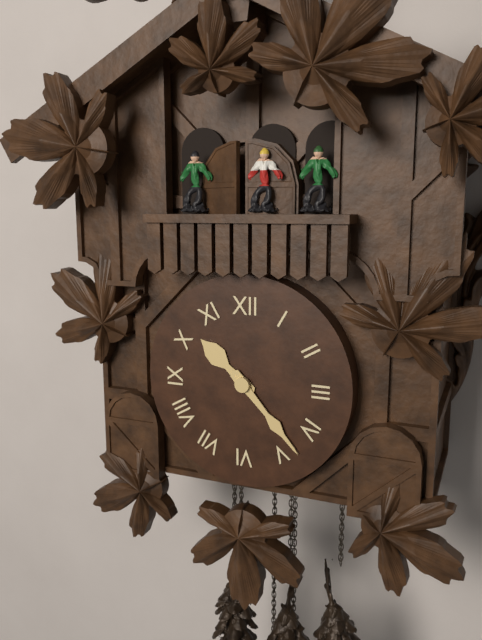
h=10 m=23
